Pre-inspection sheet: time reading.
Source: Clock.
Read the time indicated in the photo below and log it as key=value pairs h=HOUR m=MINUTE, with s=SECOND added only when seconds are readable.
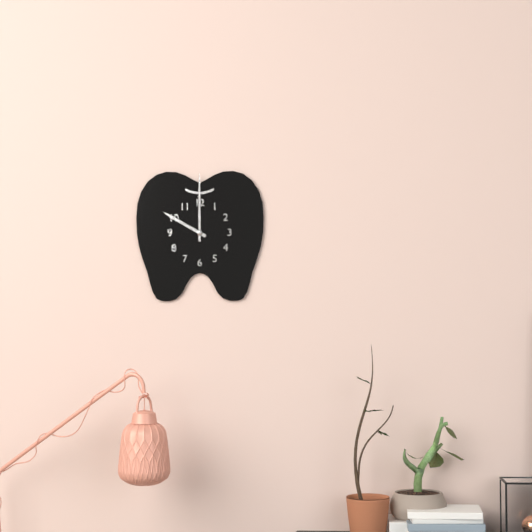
h=10 m=0
